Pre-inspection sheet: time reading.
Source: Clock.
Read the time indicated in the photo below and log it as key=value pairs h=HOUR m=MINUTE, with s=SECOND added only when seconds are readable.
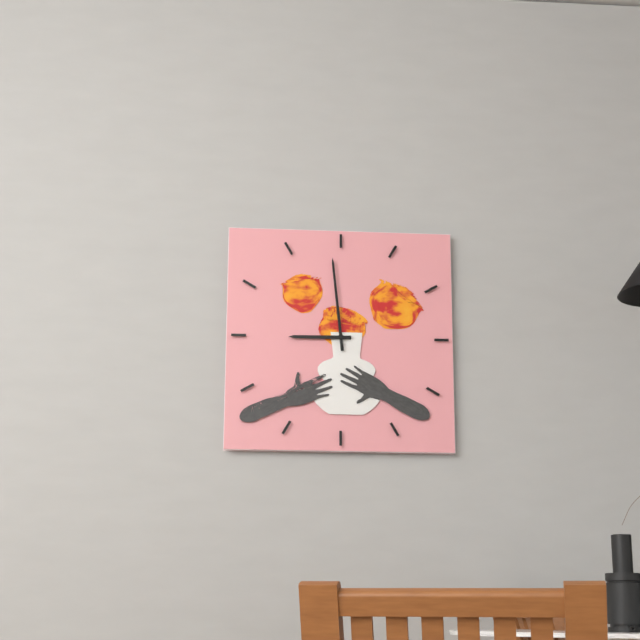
h=8 m=59
